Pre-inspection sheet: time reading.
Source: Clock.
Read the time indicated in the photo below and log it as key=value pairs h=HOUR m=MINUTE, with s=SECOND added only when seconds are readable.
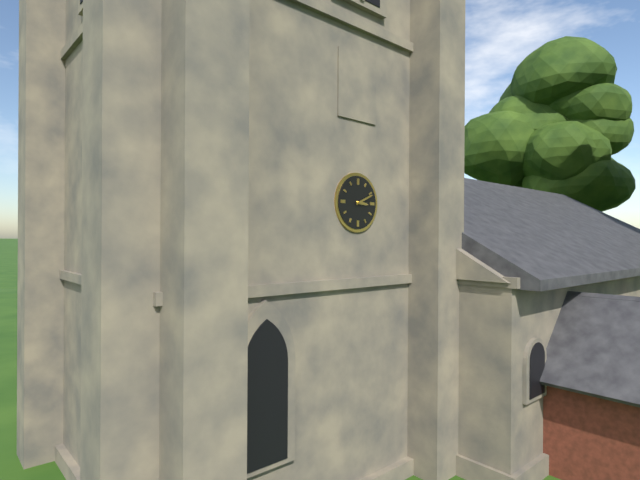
h=3 m=11
